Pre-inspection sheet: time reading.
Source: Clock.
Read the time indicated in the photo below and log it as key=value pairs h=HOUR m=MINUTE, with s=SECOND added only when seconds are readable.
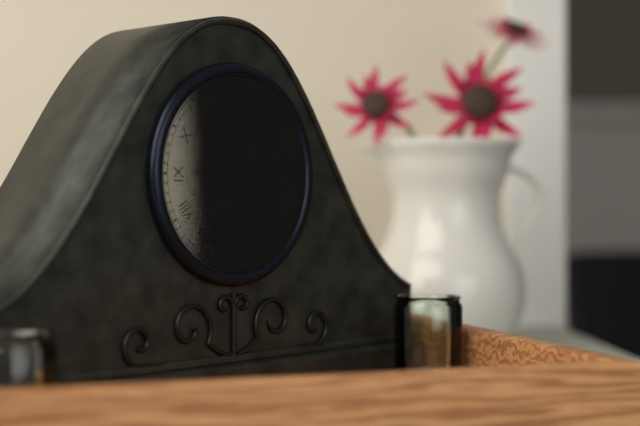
h=9 m=4
